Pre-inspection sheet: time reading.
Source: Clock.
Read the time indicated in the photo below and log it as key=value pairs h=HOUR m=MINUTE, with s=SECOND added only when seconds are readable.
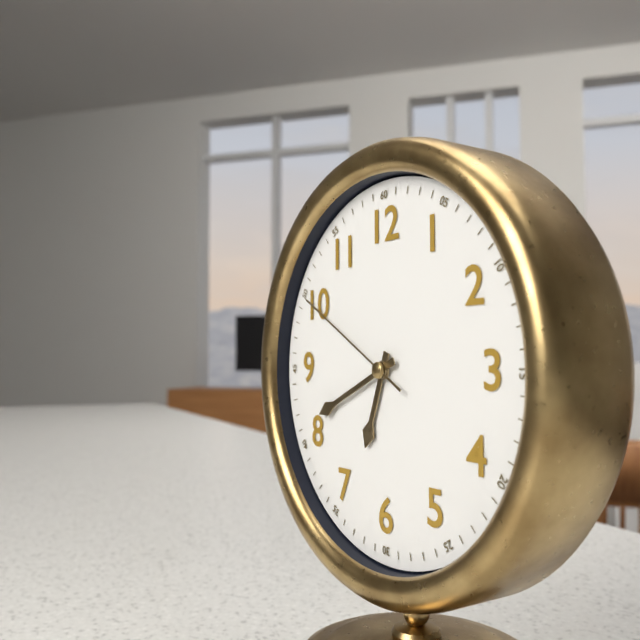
h=6 m=41 s=50
